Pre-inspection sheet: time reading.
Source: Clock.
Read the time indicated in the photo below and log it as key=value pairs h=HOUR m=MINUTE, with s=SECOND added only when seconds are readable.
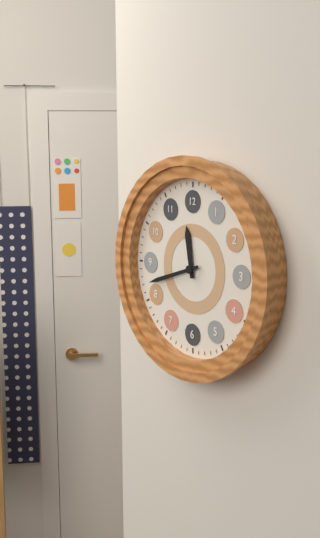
h=11 m=42
